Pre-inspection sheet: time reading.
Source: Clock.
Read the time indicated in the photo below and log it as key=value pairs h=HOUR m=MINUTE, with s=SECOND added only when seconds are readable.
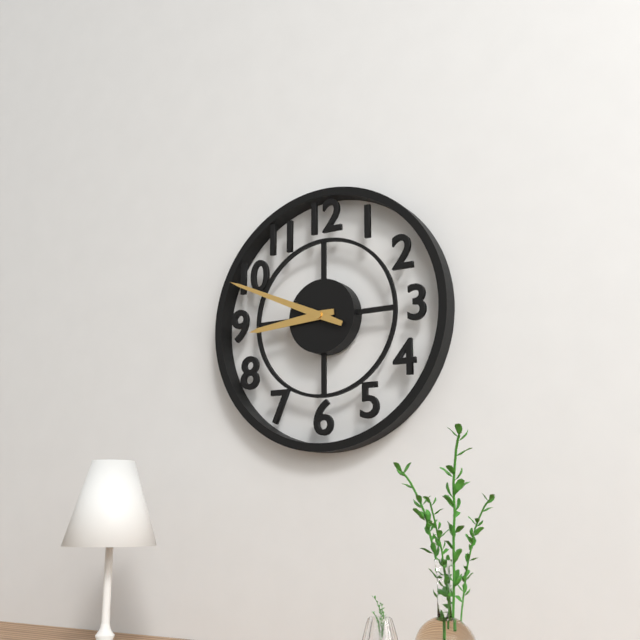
h=8 m=49
